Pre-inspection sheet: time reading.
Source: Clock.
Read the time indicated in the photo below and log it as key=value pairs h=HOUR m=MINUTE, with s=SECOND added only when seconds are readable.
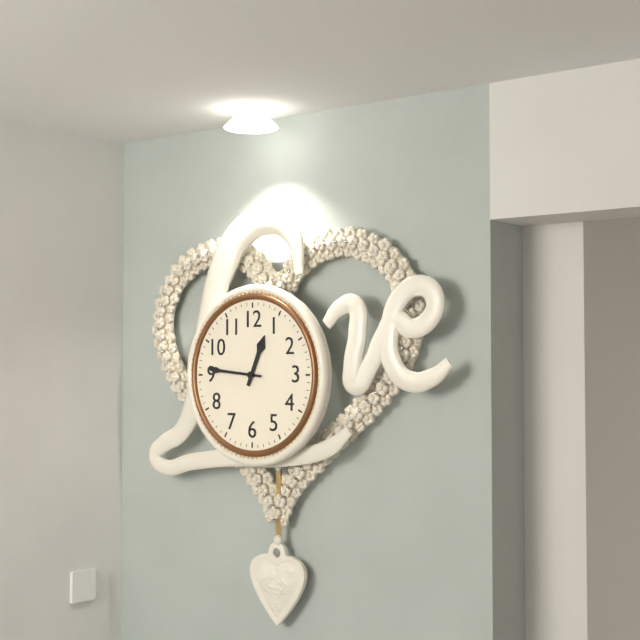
h=12 m=46
